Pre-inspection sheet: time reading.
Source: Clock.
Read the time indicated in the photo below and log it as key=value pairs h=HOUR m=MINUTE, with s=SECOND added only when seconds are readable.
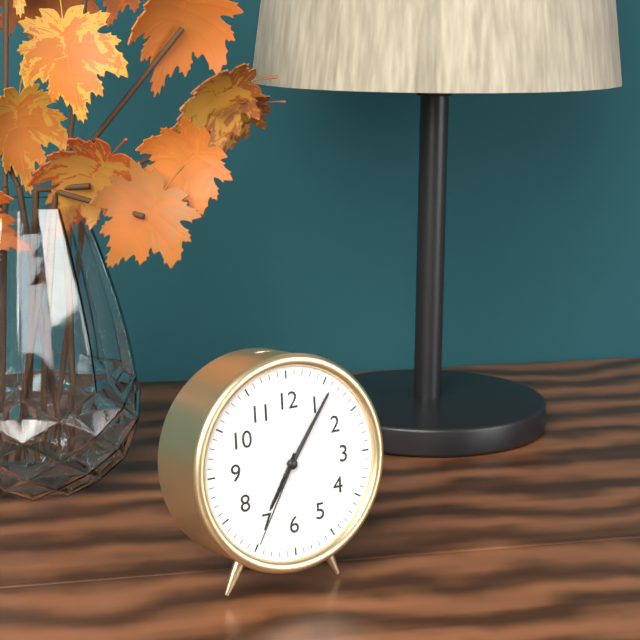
h=7 m=6 s=35
